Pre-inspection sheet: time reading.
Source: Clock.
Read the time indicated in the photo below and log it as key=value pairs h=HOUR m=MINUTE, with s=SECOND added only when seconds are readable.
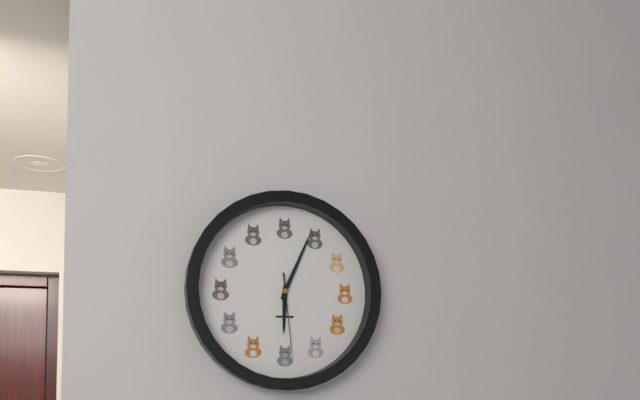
h=6 m=4 s=29
